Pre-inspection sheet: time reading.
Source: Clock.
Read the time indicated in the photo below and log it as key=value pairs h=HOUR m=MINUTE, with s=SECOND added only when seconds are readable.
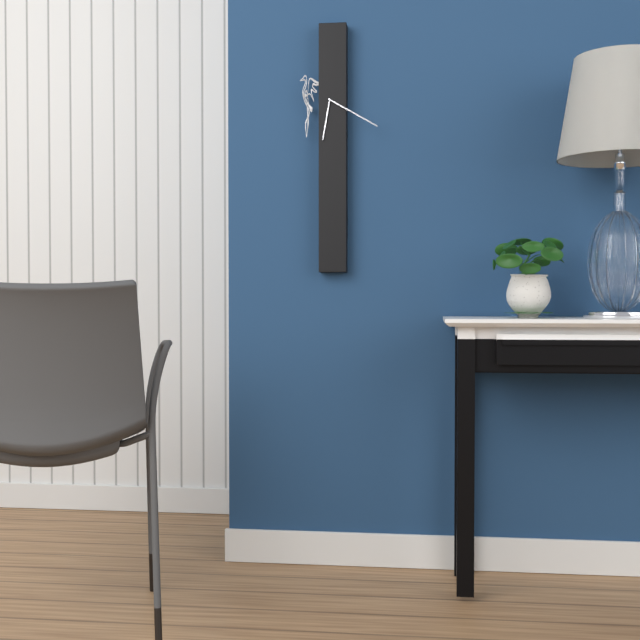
h=6 m=20
